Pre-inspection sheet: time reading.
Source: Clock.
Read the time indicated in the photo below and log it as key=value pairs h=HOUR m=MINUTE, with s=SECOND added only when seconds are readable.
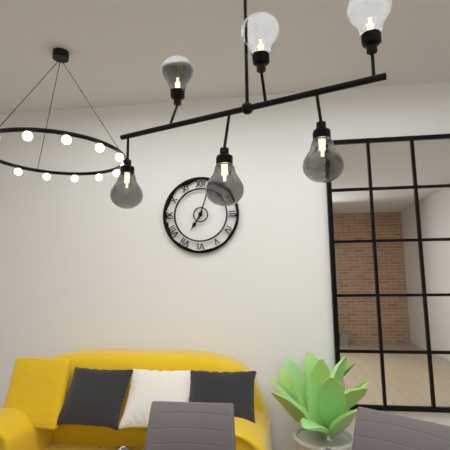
h=7 m=3
